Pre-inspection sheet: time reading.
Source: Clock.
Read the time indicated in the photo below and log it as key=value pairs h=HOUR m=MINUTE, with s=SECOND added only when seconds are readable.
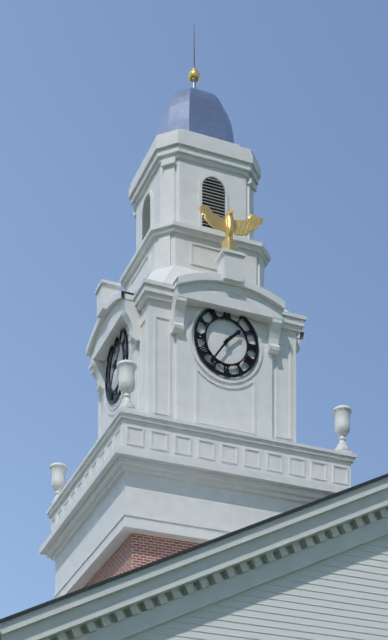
h=1 m=36
